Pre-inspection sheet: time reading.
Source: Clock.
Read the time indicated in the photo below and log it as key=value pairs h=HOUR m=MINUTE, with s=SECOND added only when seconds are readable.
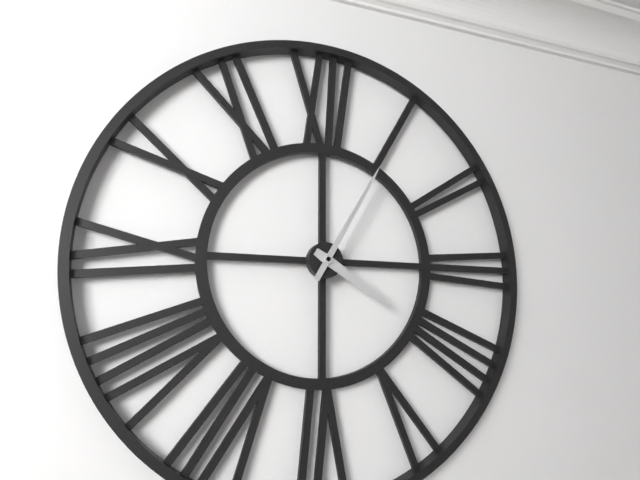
h=4 m=5
